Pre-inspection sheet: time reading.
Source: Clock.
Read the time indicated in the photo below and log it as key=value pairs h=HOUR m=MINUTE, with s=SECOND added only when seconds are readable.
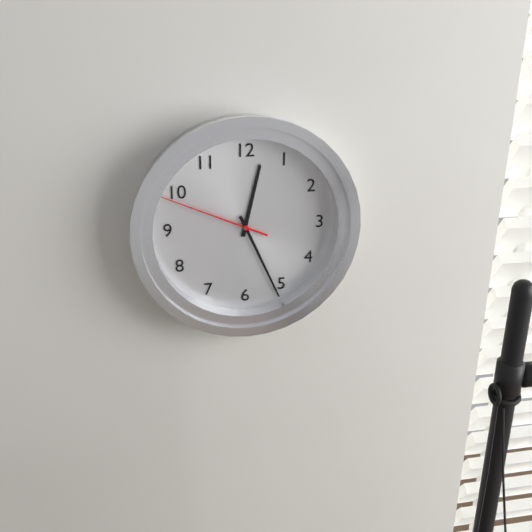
h=12 m=26 s=49
